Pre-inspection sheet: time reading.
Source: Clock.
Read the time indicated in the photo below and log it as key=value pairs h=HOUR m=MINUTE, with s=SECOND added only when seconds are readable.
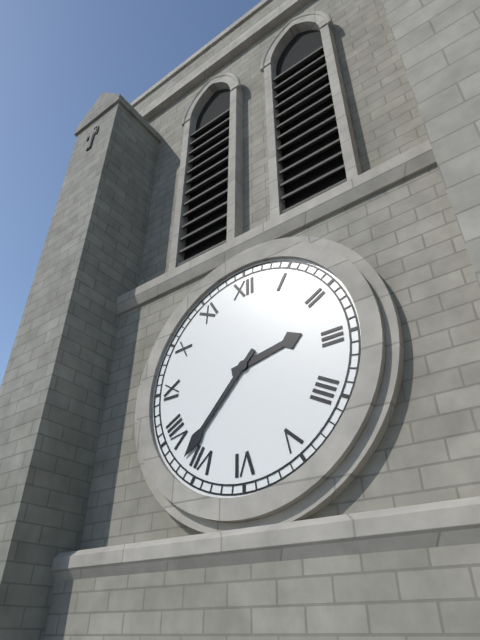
h=2 m=37
